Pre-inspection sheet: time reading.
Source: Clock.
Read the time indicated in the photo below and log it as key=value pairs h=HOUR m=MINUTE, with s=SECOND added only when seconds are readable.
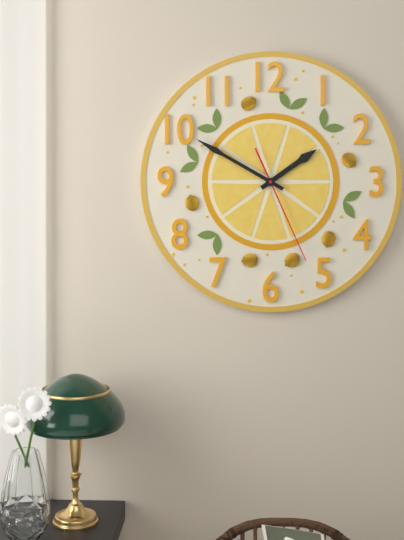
h=1 m=50 s=26
